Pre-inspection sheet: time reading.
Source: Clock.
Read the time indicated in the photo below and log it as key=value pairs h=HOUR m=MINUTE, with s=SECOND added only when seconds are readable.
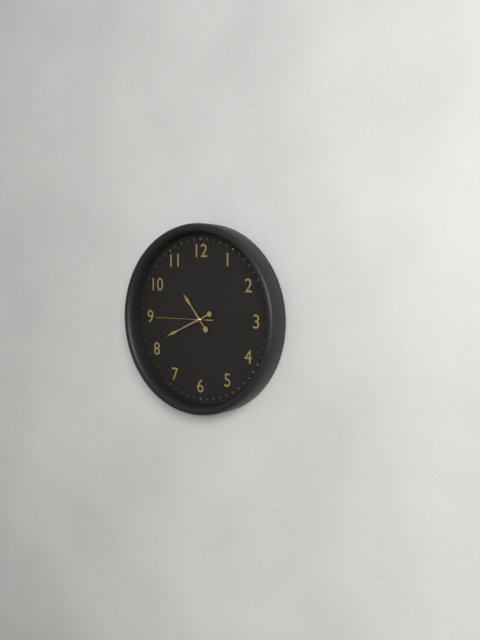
h=10 m=41 s=45
